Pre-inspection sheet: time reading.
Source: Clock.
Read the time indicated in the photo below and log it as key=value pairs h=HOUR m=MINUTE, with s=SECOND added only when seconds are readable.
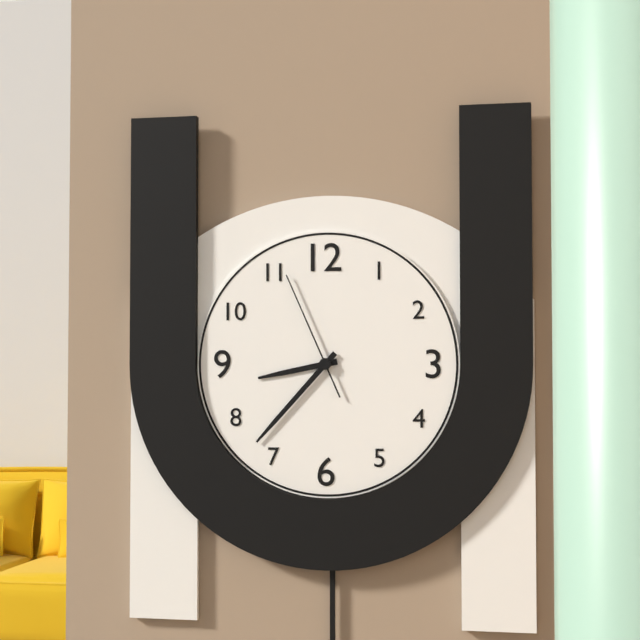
h=8 m=37 s=56
